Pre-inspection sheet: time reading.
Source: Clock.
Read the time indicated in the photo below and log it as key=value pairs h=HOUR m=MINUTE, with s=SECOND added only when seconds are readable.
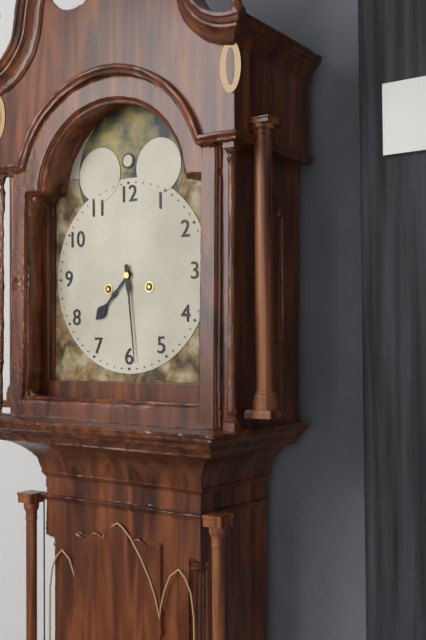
h=7 m=29
